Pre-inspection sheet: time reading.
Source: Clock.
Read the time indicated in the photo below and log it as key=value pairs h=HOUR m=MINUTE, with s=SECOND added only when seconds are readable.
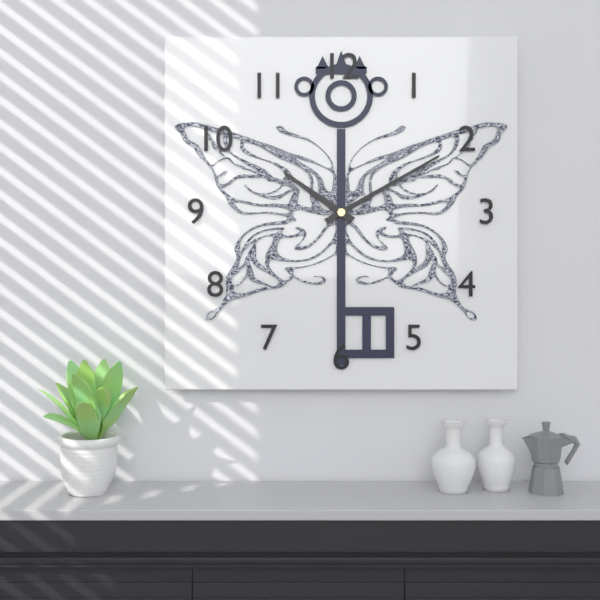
h=10 m=10
